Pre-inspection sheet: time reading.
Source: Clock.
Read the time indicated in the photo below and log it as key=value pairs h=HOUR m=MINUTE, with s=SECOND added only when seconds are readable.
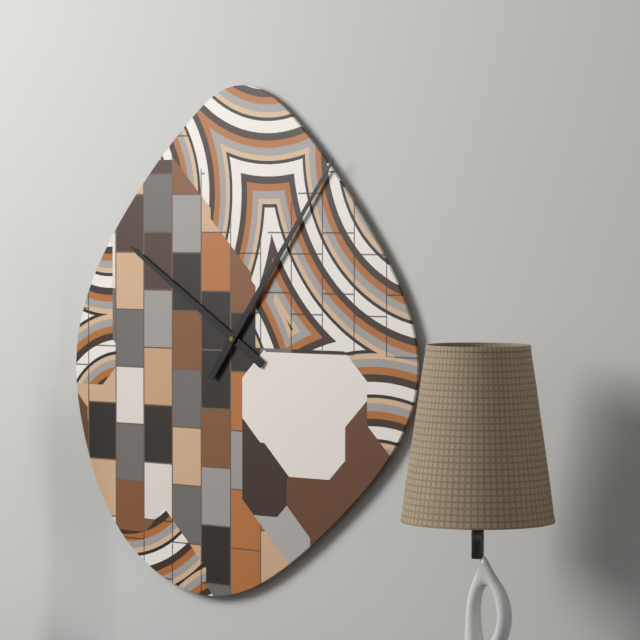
h=10 m=6
